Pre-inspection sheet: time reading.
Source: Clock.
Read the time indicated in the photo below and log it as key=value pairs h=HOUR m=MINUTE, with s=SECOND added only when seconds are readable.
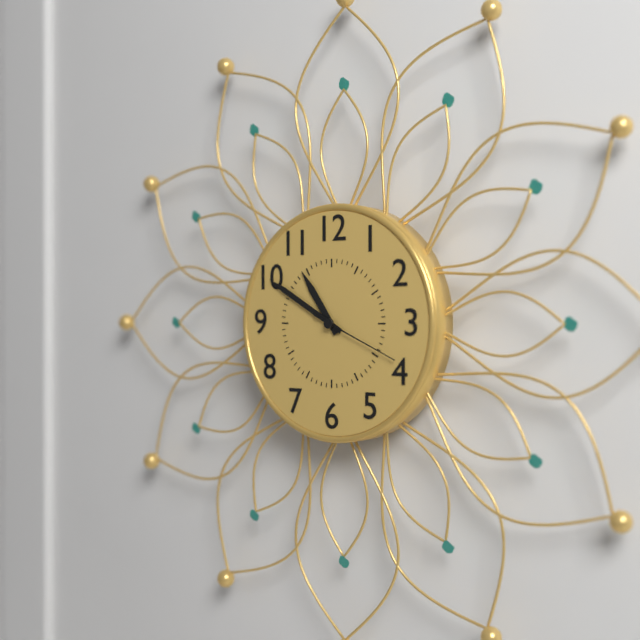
h=10 m=50 s=19
